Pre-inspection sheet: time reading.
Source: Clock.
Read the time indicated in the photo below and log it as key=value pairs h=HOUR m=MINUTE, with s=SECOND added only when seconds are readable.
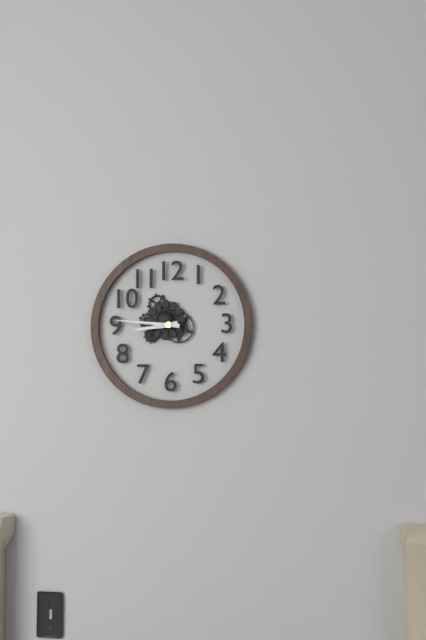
h=8 m=46
